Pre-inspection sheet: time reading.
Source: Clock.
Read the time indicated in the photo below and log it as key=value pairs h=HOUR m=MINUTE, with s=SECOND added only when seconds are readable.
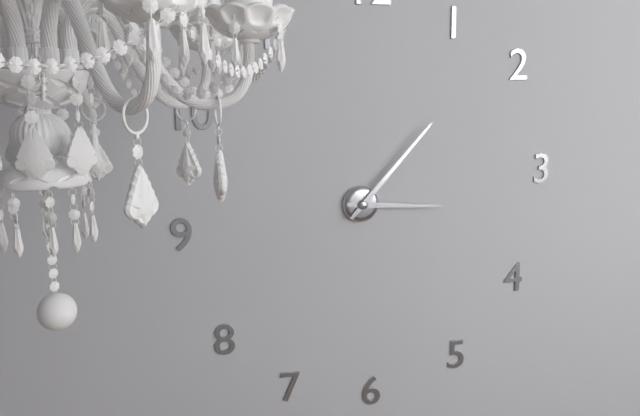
h=3 m=7
